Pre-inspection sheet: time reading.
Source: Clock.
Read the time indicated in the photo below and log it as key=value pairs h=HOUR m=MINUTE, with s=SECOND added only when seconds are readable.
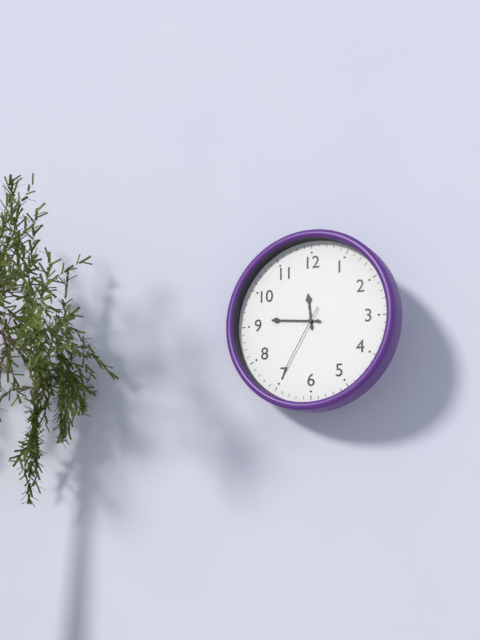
h=11 m=46 s=35
